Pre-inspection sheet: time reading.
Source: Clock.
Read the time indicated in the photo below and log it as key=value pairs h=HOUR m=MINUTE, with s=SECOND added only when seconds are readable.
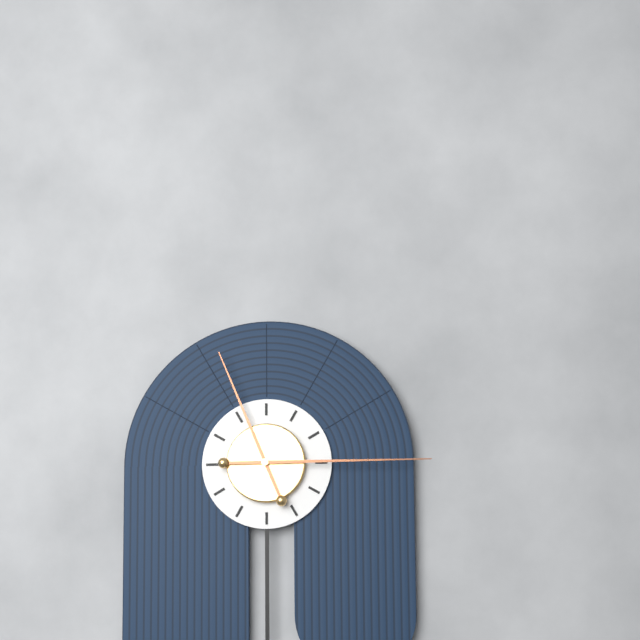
h=11 m=15
